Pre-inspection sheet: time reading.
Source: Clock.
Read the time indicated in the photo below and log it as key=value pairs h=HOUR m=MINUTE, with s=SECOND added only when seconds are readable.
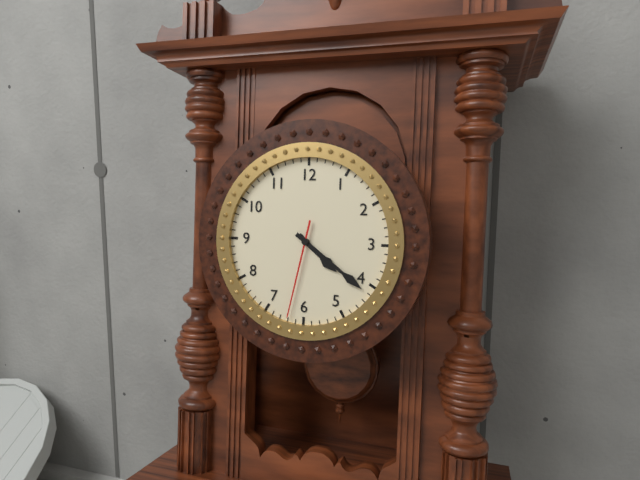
h=4 m=21 s=32
